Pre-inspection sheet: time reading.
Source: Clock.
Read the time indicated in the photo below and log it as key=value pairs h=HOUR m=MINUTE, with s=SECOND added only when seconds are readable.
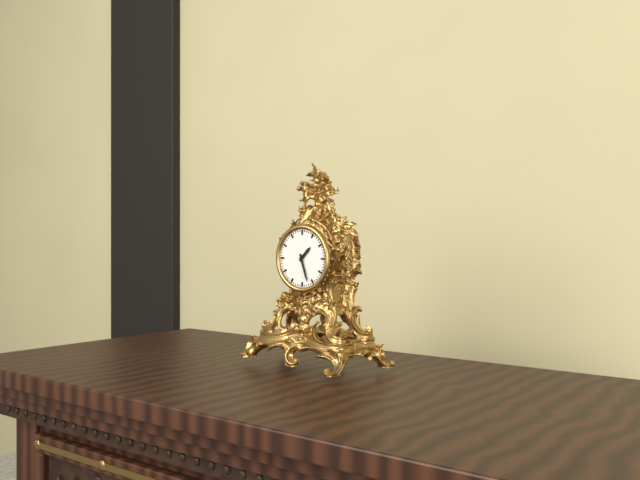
h=1 m=27
